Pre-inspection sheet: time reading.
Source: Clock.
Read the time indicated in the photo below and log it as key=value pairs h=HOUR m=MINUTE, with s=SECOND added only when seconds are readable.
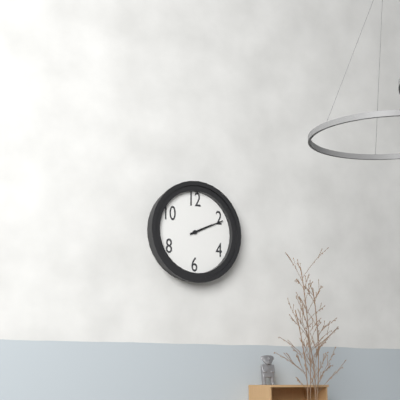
h=2 m=11
